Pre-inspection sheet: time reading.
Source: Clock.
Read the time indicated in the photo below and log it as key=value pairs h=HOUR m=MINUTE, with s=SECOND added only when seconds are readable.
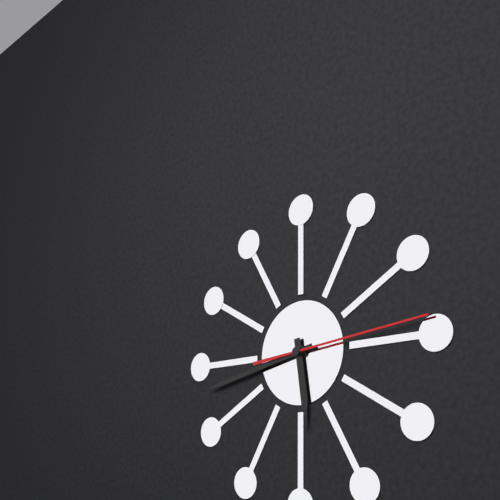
h=5 m=43 s=14
